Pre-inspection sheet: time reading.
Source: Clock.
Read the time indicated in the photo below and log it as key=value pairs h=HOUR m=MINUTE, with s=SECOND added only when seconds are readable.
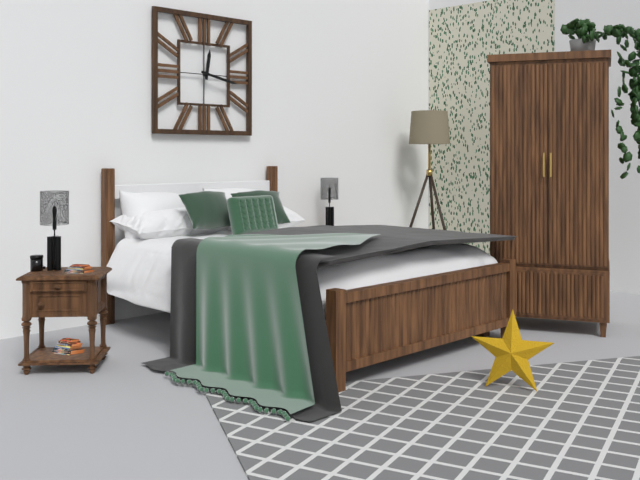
h=12 m=17
